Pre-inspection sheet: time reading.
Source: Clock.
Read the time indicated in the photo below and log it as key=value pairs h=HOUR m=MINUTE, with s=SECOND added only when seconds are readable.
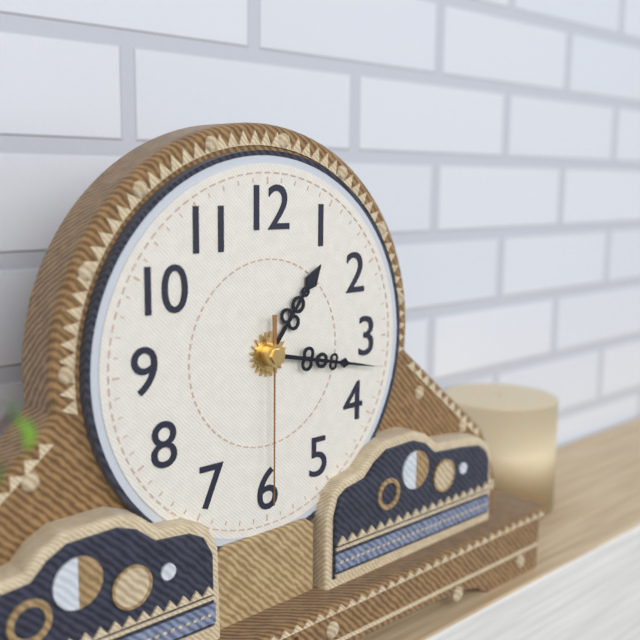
h=1 m=17 s=30
